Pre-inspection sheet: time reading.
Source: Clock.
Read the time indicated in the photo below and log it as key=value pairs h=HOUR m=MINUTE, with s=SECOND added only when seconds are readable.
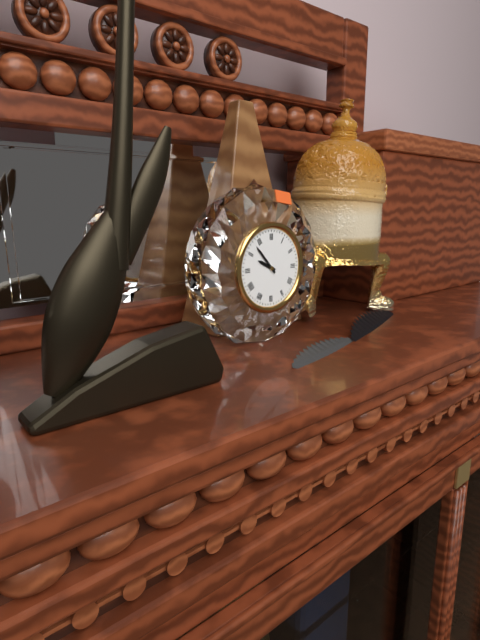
h=9 m=53
